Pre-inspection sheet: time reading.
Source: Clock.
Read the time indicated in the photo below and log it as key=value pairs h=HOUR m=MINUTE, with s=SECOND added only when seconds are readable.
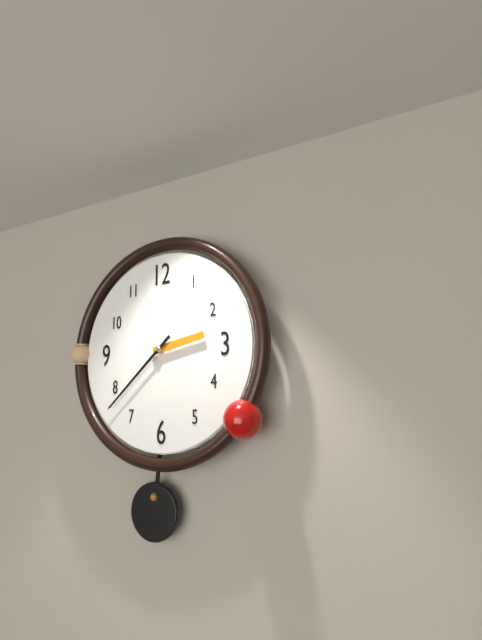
h=2 m=38
